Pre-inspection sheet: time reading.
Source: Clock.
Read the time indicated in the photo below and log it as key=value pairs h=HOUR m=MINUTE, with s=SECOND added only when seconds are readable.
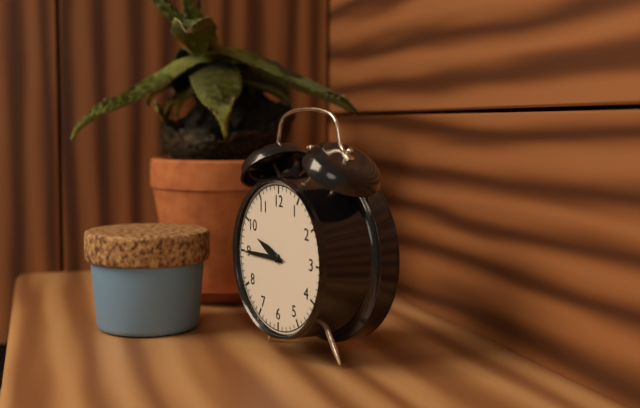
h=9 m=45
